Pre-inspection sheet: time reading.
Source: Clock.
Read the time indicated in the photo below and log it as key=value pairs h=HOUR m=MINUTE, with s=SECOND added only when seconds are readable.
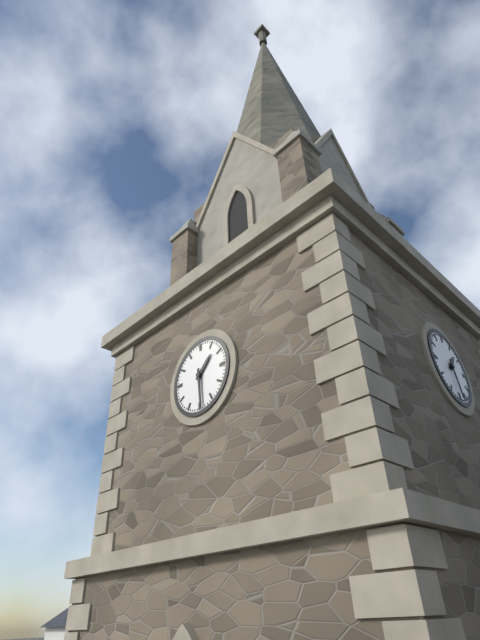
h=1 m=29
